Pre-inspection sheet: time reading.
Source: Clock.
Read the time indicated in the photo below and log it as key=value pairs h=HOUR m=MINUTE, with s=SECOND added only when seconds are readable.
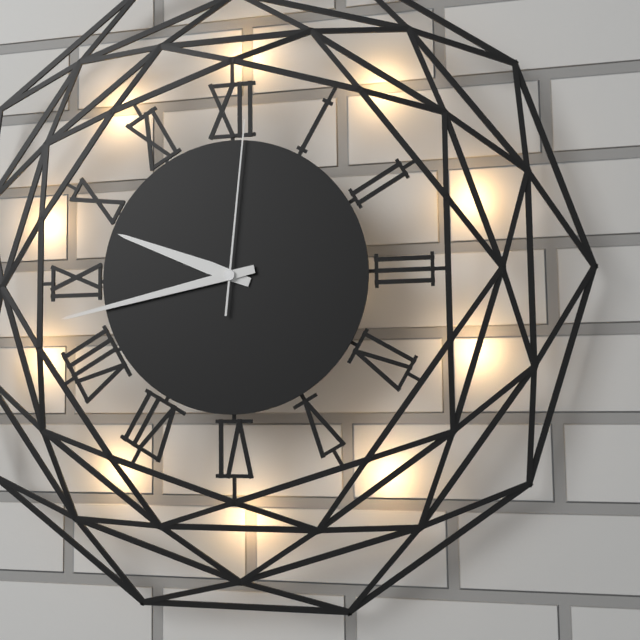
h=9 m=43 s=1
